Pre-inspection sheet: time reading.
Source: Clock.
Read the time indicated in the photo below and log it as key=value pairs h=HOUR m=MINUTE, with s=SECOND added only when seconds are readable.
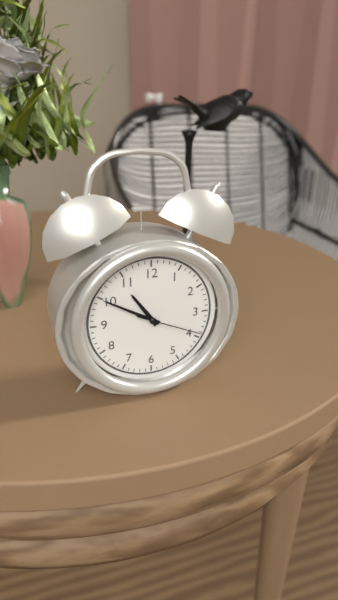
h=10 m=50 s=19
